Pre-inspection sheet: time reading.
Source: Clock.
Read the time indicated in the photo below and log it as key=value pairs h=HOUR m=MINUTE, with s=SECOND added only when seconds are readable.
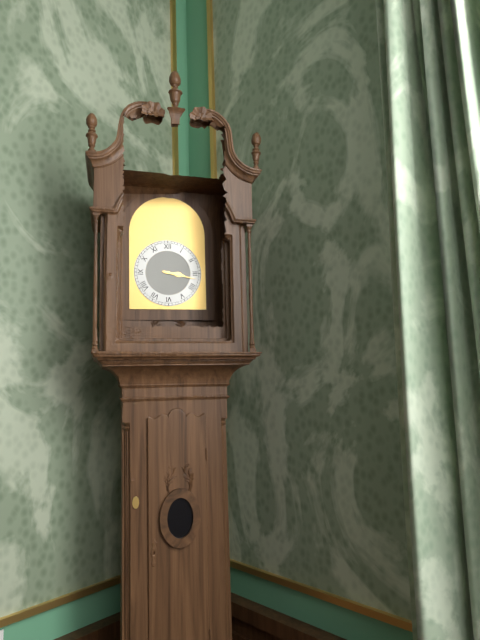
h=3 m=17
